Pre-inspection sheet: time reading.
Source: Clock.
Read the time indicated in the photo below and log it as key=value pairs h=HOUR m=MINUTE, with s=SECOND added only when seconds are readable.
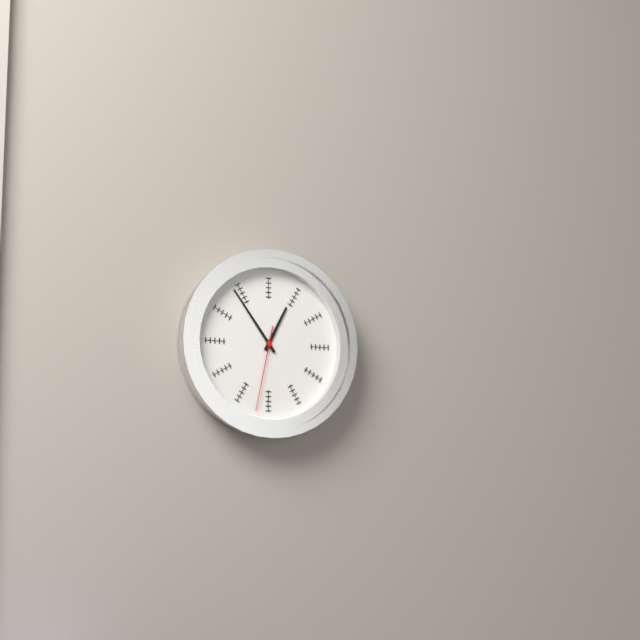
h=12 m=54 s=32
